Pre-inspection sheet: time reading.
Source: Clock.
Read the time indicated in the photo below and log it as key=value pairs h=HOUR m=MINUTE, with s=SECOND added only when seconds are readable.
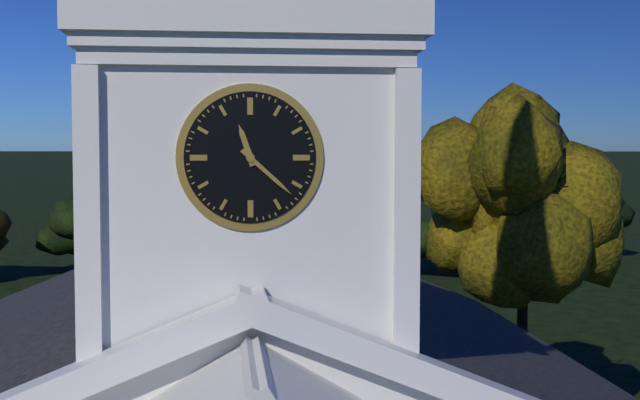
h=11 m=22
